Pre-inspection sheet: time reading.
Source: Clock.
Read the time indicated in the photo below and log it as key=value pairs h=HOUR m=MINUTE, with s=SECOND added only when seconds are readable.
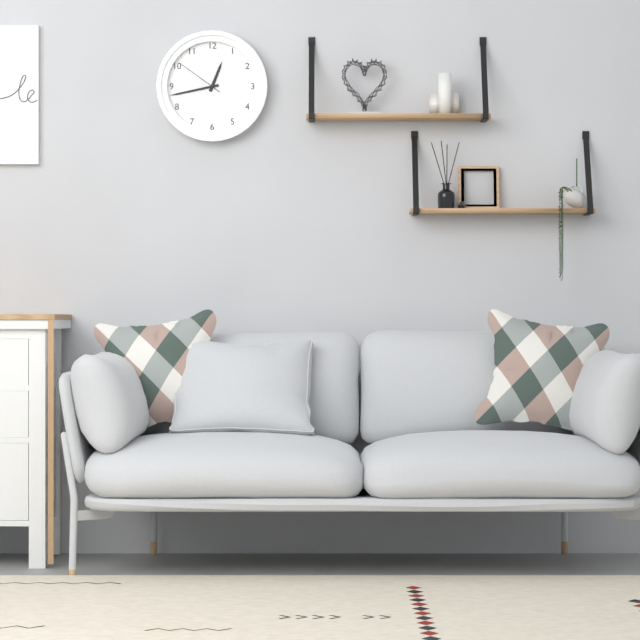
h=12 m=43
